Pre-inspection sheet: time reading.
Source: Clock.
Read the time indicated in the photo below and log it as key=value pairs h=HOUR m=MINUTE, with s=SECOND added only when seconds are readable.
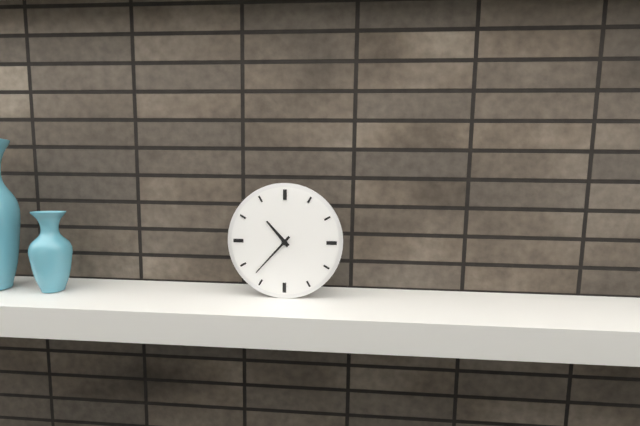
h=10 m=37
